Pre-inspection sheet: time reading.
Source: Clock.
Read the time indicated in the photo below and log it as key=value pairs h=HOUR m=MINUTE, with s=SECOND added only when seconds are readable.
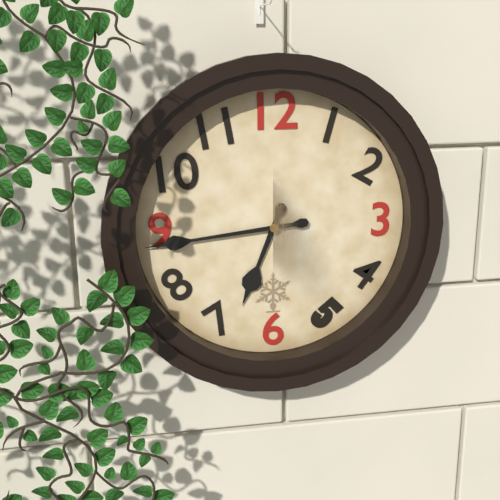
h=6 m=44
